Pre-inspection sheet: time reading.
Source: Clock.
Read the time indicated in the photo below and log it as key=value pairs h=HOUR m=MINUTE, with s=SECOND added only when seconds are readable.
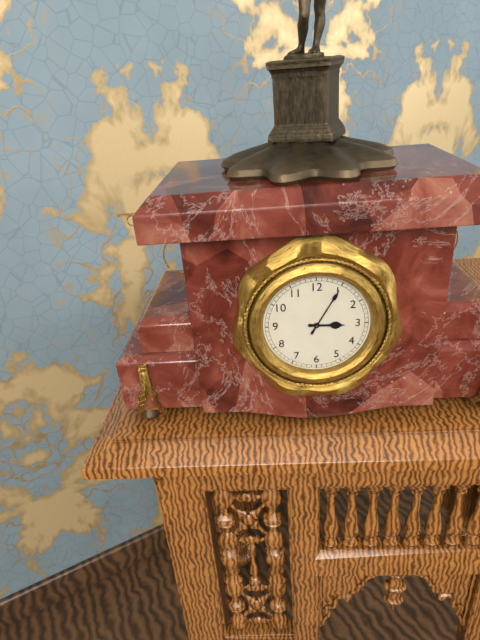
h=3 m=5
